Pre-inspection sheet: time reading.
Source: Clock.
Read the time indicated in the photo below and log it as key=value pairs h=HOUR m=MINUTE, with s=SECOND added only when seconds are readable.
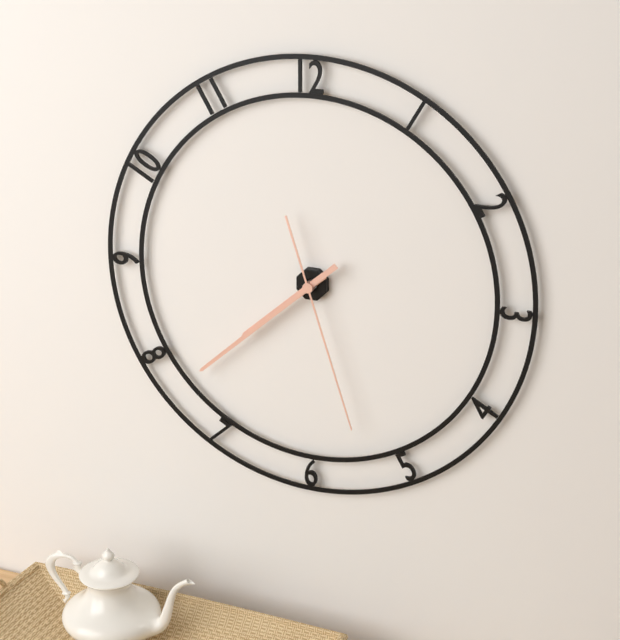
h=7 m=38 s=27
